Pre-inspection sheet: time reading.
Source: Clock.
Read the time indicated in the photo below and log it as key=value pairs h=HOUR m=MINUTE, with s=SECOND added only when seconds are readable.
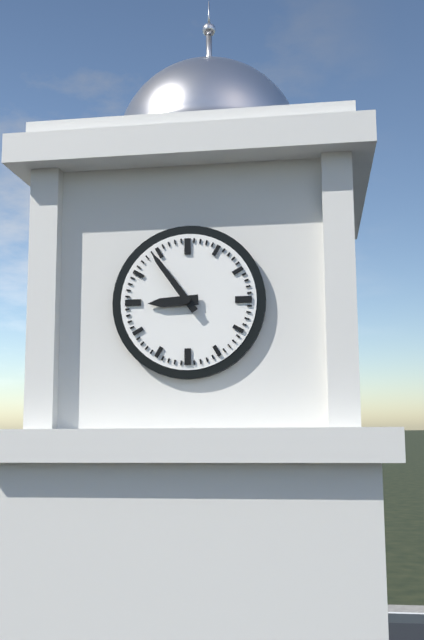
h=8 m=54
